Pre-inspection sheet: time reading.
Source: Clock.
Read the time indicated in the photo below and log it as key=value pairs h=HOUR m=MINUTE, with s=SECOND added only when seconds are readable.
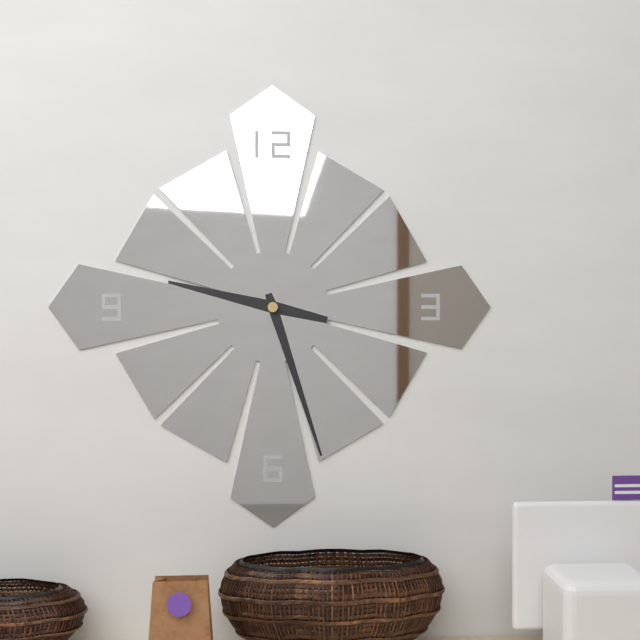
h=9 m=27
